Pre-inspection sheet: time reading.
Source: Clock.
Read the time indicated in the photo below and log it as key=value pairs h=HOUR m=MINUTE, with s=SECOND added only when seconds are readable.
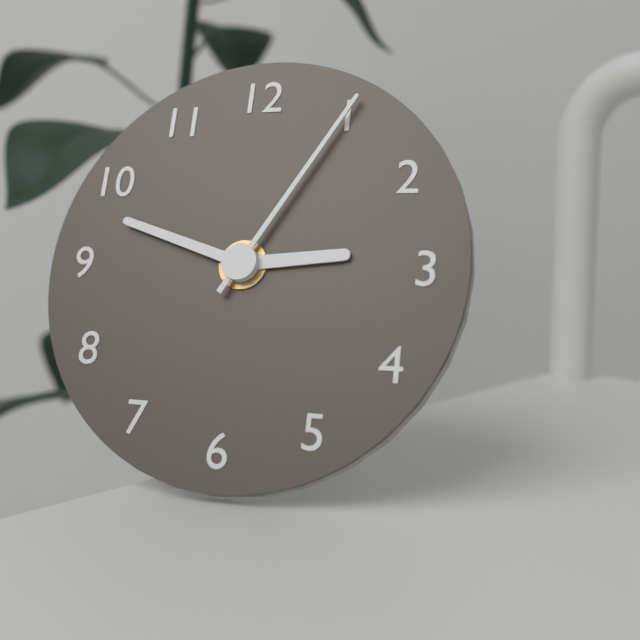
h=2 m=48 s=5
